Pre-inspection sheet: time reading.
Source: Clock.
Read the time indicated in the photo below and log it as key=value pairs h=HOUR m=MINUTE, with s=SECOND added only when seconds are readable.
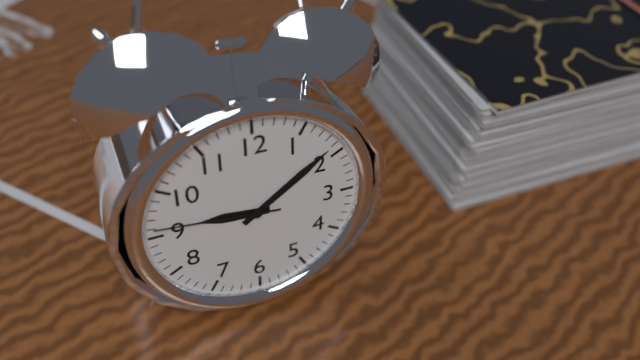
h=9 m=9 s=46
